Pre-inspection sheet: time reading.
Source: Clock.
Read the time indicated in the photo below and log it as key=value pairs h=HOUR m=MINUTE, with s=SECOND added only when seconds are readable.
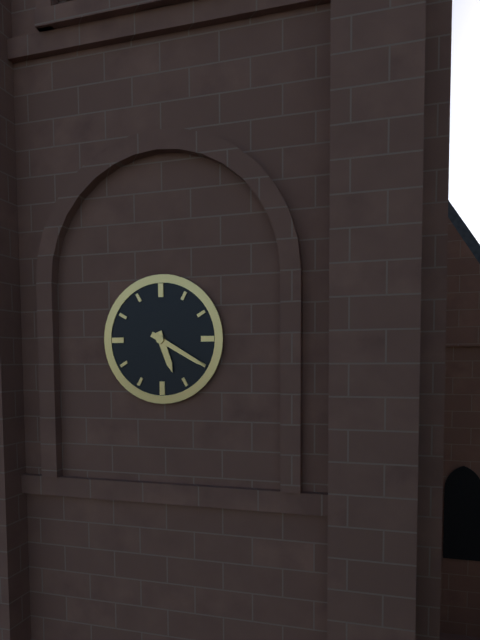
h=5 m=20
